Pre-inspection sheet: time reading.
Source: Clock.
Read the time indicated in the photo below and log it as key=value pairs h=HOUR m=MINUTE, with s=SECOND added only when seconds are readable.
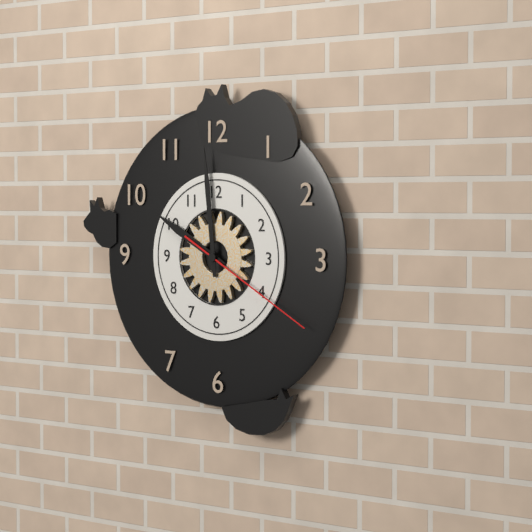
h=9 m=59 s=20
